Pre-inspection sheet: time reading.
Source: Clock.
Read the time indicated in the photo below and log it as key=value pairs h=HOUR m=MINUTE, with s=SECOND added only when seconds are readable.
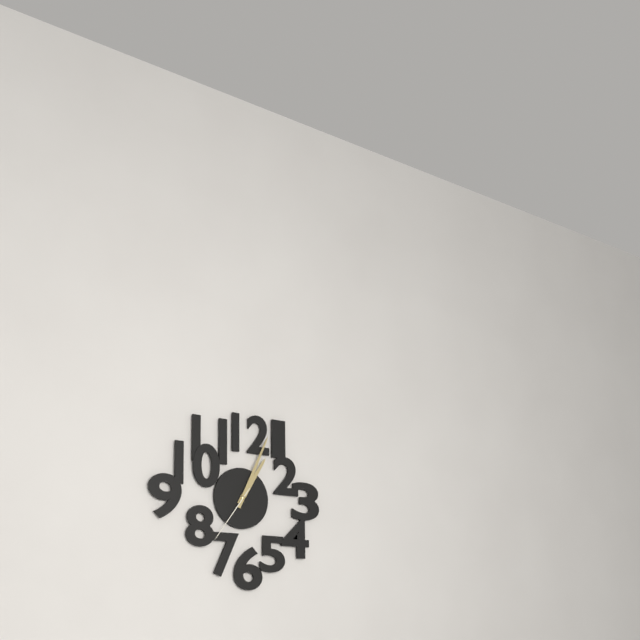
h=1 m=4 s=36
